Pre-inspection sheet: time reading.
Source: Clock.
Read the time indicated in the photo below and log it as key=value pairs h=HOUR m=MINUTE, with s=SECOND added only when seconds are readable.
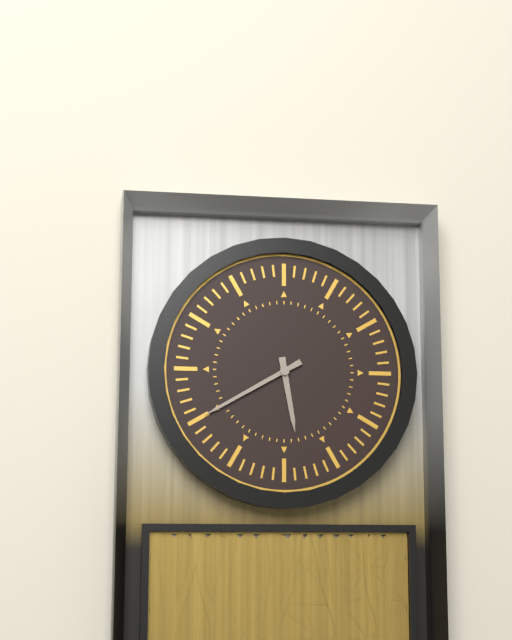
h=5 m=40
